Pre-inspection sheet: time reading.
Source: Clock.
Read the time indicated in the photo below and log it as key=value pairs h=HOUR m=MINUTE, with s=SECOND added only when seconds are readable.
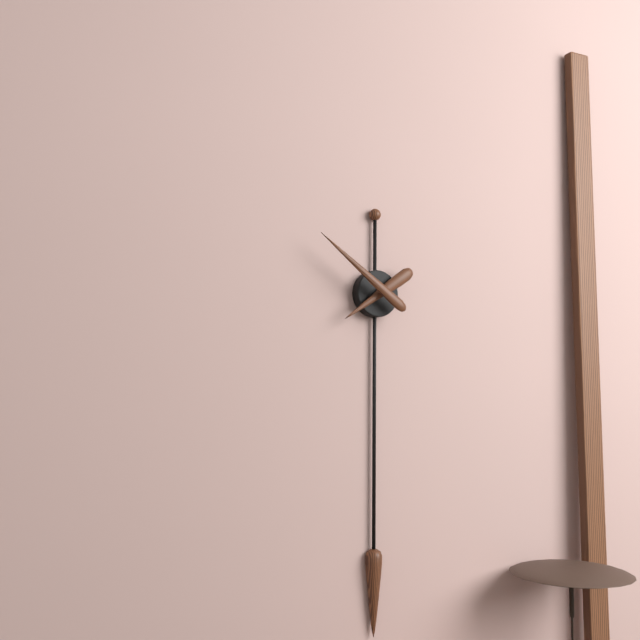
h=7 m=51
